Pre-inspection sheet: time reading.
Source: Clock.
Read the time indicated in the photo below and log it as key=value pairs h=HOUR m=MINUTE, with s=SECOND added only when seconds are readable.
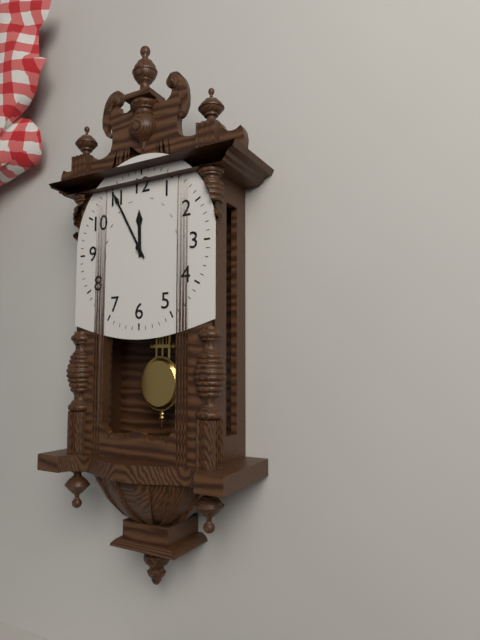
h=11 m=55
